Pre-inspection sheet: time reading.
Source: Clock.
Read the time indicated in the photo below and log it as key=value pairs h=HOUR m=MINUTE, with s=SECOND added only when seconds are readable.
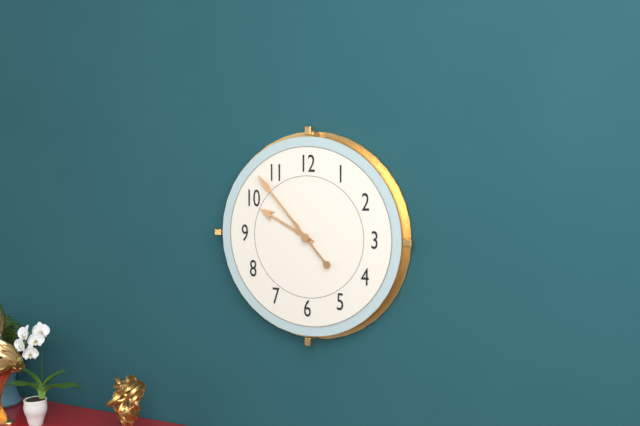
h=9 m=53
